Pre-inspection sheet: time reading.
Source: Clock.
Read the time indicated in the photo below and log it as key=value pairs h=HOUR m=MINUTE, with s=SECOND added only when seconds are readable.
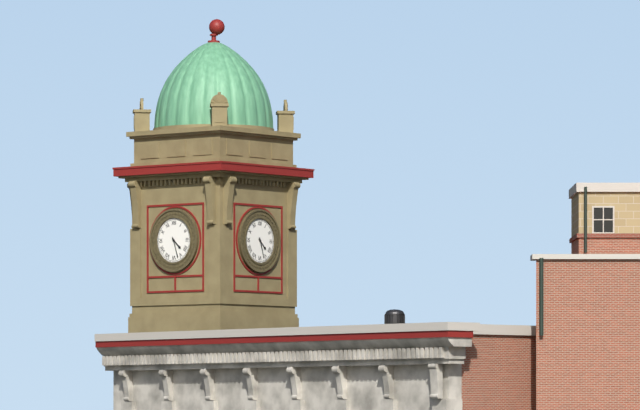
h=4 m=27
